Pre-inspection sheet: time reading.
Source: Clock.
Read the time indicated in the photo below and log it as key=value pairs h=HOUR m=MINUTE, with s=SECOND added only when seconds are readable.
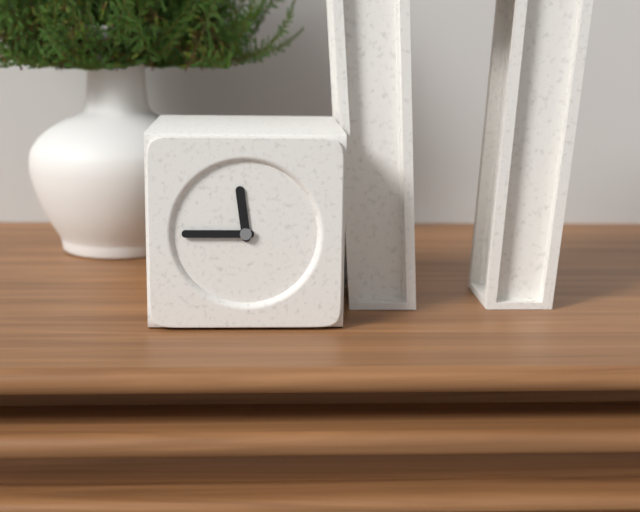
h=11 m=45
